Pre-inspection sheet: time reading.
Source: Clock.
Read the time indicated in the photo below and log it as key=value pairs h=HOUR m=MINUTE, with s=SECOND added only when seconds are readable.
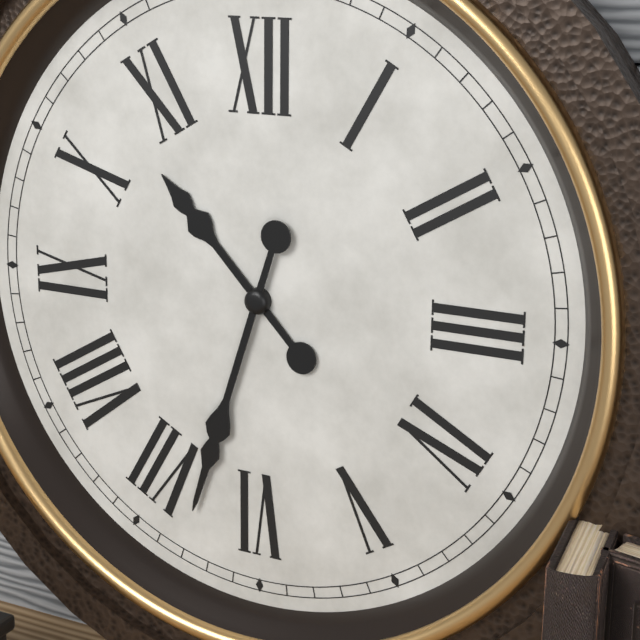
h=10 m=33
